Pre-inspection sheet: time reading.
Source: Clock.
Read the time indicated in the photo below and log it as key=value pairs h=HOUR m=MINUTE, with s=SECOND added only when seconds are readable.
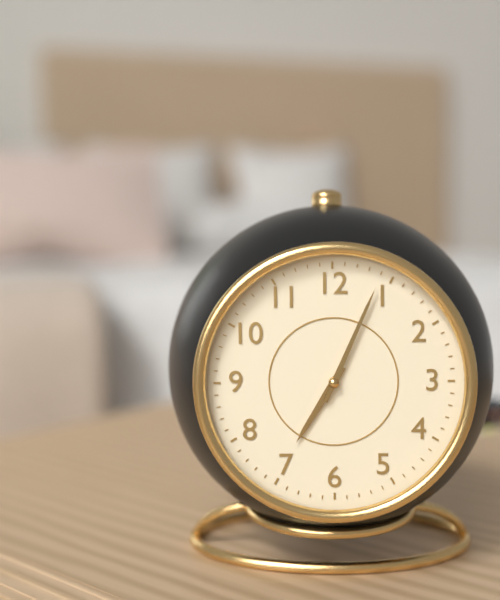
h=7 m=4
